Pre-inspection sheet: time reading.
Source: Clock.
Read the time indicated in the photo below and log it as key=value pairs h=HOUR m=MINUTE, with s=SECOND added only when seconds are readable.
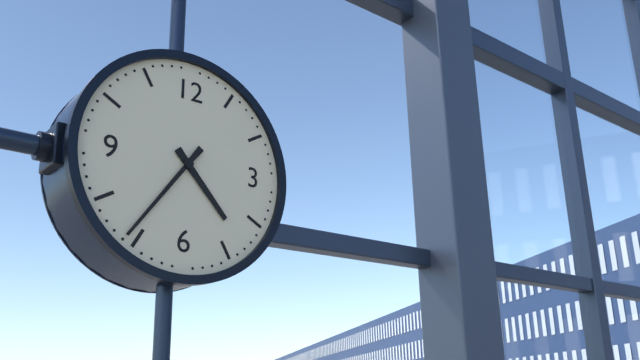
h=4 m=36
